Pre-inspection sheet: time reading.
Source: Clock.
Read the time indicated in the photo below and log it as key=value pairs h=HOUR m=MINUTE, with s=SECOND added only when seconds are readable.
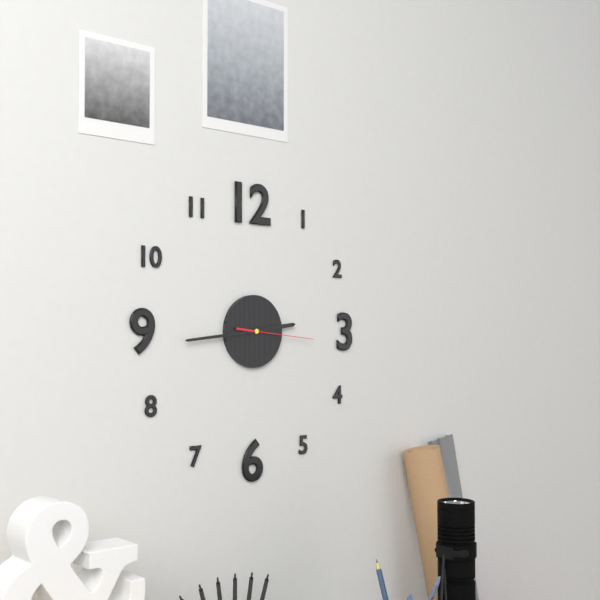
h=2 m=44 s=16
